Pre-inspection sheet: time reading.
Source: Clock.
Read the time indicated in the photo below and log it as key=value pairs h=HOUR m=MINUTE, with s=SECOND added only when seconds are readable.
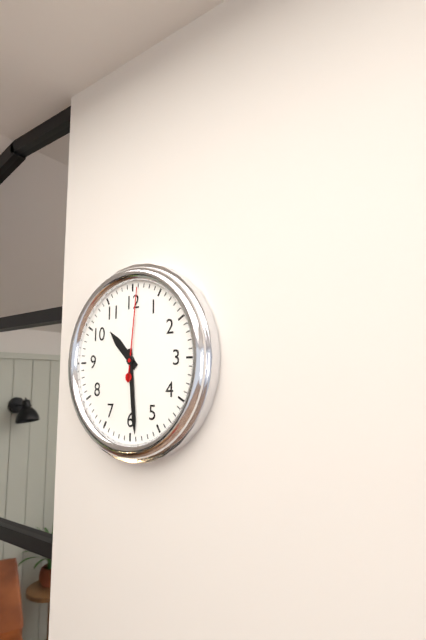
h=10 m=29 s=1
